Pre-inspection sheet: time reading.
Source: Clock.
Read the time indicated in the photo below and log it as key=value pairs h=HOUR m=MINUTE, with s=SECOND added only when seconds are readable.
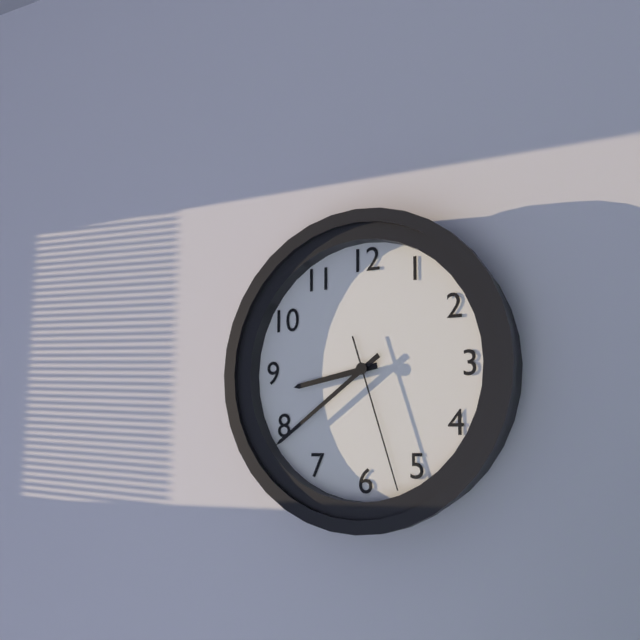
h=8 m=39 s=27
